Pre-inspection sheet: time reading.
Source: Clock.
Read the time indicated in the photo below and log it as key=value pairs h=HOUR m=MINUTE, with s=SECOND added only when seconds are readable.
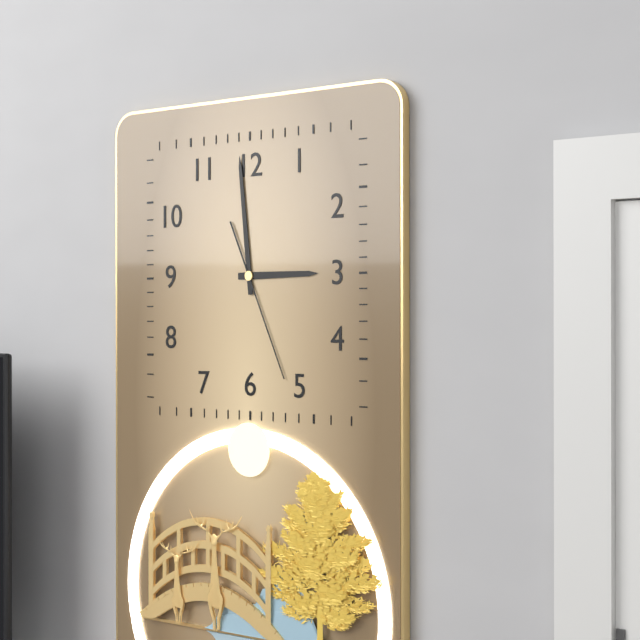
h=2 m=59 s=26
